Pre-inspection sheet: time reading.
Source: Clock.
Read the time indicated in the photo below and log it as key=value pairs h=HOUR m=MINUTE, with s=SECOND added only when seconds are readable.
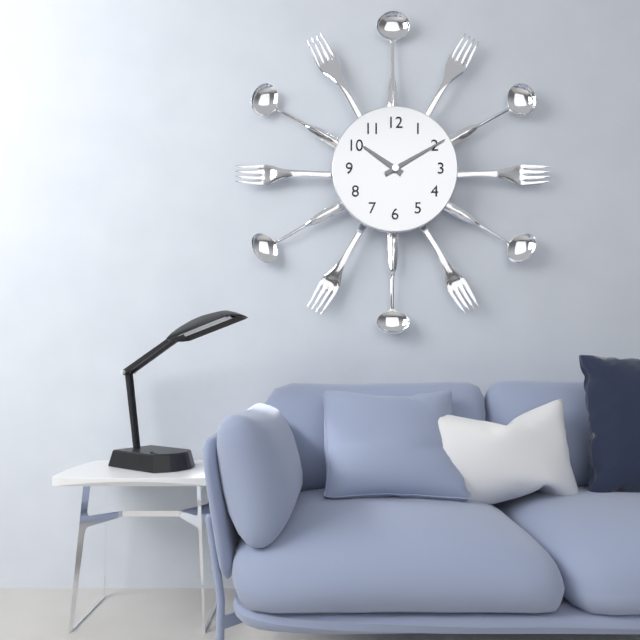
h=10 m=10
